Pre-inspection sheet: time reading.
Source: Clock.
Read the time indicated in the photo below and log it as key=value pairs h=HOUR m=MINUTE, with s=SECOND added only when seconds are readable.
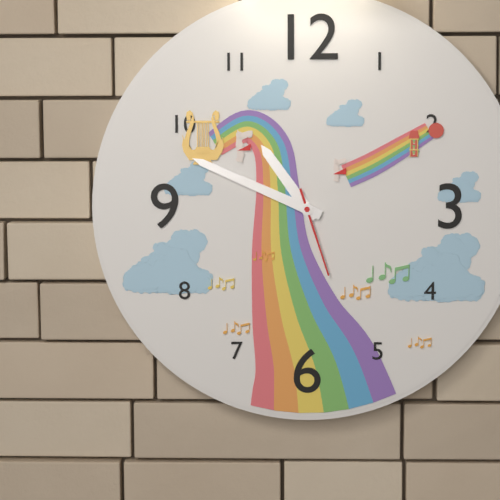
h=10 m=49 s=27
